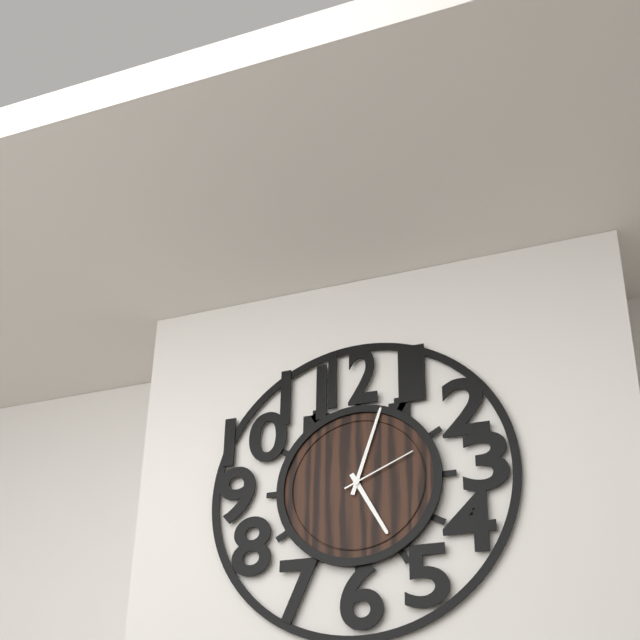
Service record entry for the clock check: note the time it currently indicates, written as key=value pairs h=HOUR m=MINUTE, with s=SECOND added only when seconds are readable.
h=5 m=3 s=11
